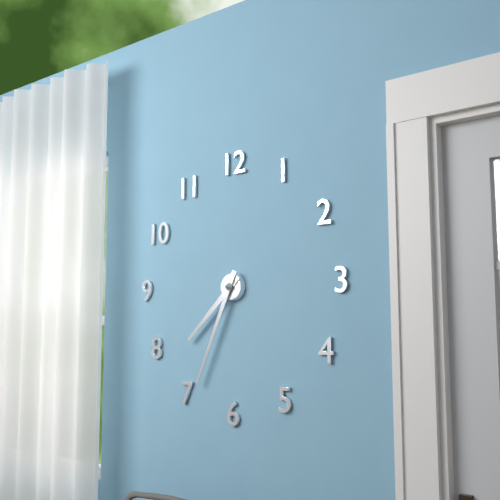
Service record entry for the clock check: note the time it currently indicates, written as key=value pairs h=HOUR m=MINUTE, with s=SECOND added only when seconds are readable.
h=7 m=34
